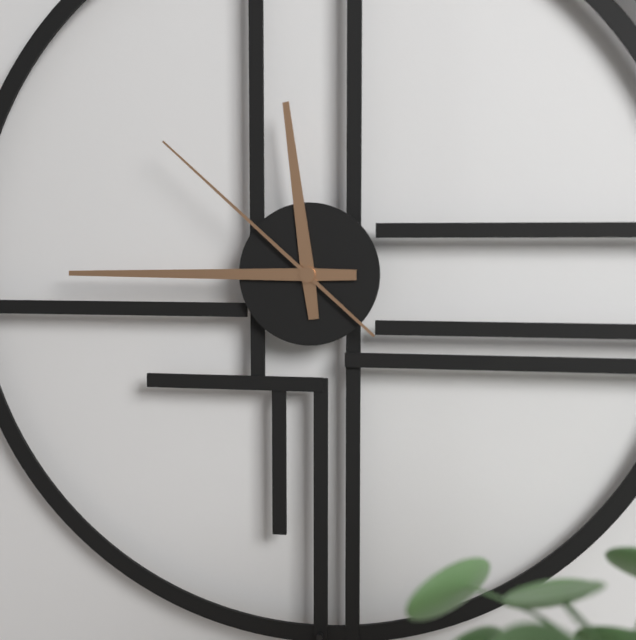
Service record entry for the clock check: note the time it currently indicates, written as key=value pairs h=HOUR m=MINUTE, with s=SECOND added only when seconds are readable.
h=11 m=45 s=52
